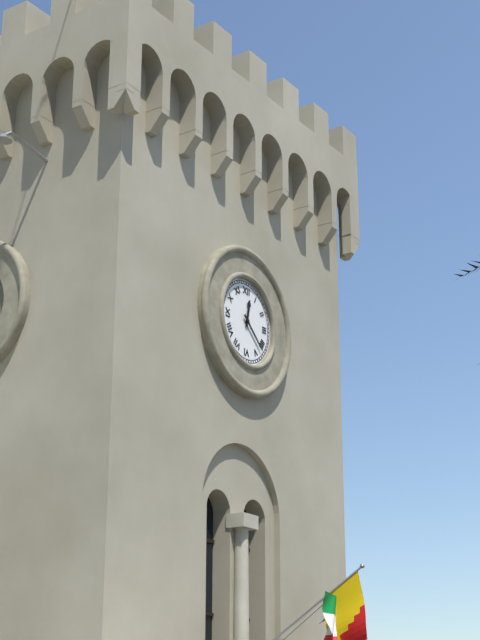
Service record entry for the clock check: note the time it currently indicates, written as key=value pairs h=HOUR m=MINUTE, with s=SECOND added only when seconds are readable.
h=12 m=22
